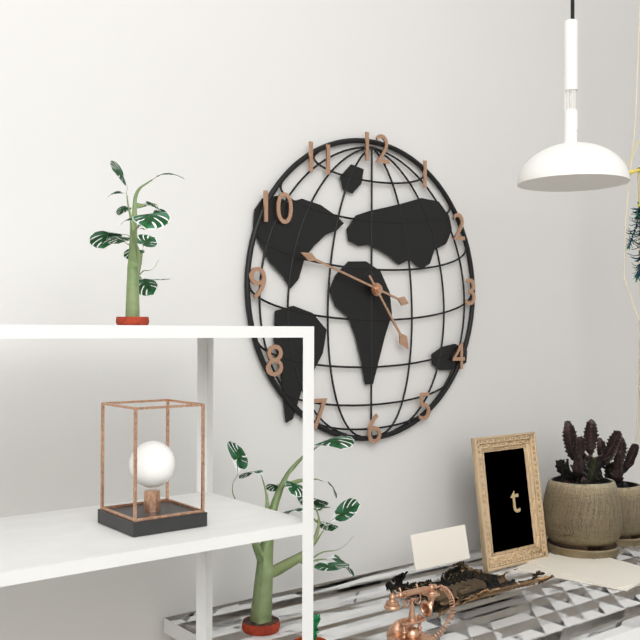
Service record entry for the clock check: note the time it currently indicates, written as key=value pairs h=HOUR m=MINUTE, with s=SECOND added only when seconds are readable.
h=4 m=48
